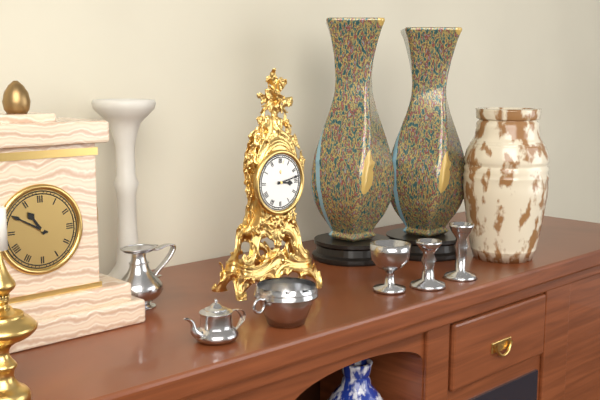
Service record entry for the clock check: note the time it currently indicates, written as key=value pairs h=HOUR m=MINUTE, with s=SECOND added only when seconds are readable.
h=3 m=13
